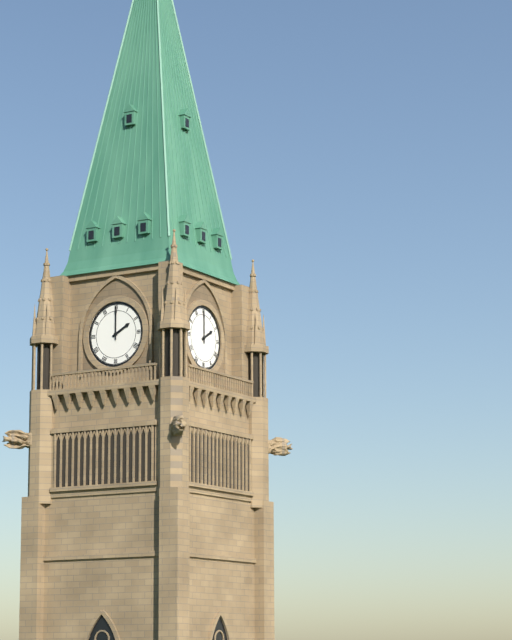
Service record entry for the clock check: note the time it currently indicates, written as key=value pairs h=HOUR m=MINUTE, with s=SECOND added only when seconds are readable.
h=2 m=0
